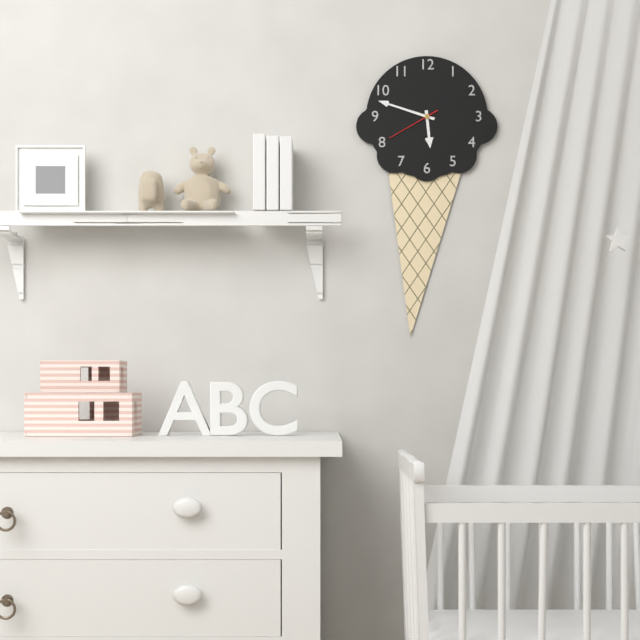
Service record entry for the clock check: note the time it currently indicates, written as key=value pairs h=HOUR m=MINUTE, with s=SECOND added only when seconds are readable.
h=5 m=48 s=40
